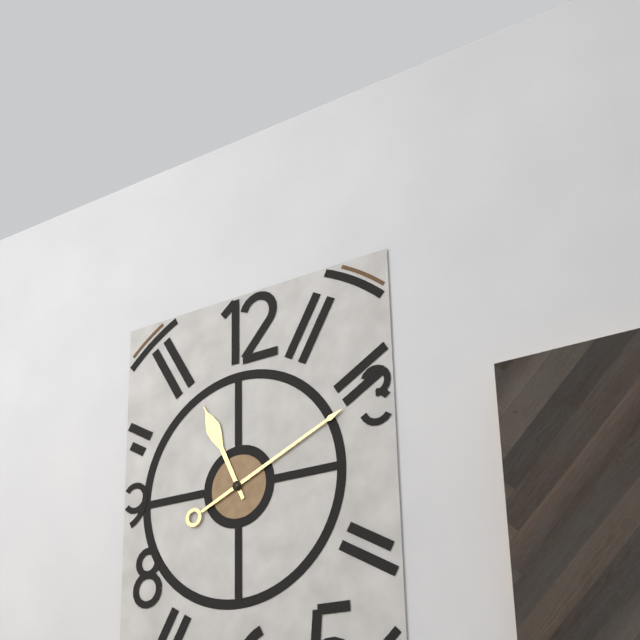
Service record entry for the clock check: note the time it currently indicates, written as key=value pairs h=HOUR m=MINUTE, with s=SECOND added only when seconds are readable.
h=11 m=11
